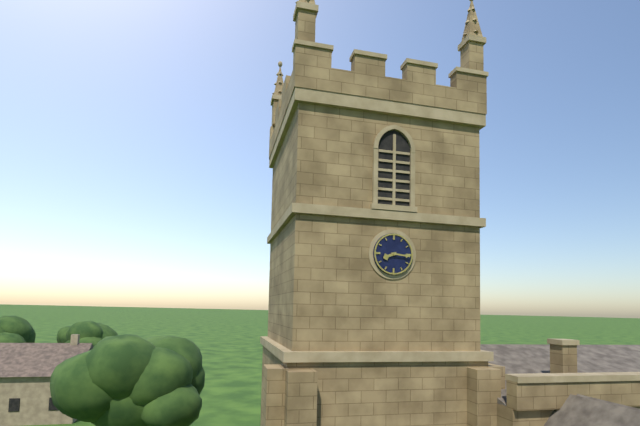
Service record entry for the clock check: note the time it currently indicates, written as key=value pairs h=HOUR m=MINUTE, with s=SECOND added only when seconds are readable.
h=8 m=16
